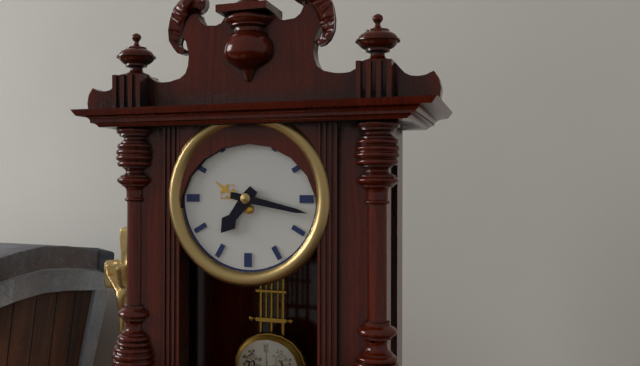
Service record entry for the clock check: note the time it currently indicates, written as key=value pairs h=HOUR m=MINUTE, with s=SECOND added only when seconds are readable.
h=7 m=17
